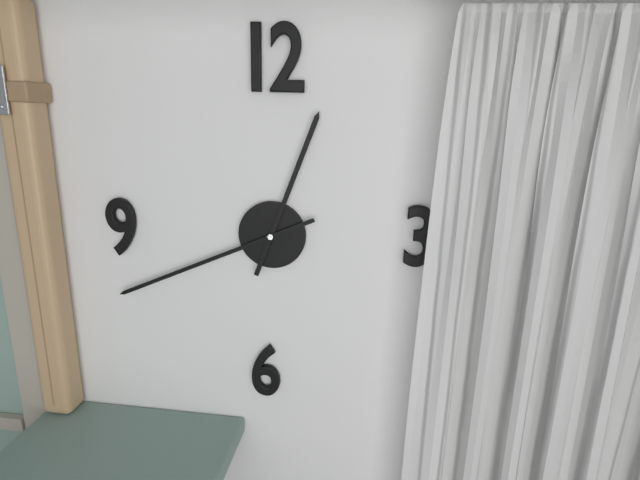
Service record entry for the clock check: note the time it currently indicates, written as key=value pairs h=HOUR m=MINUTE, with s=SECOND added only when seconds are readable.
h=12 m=41
